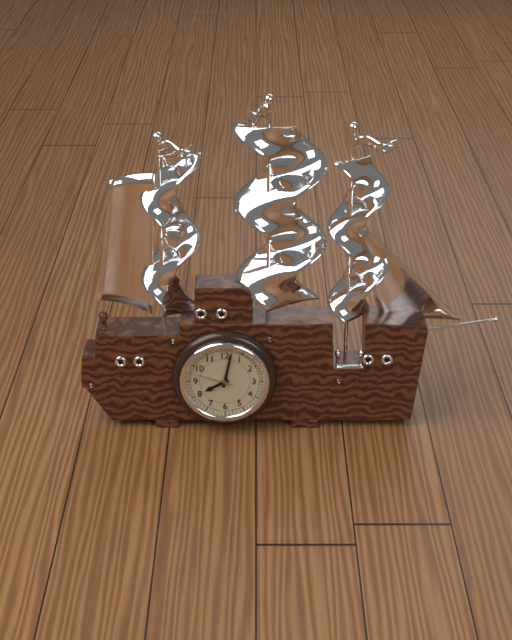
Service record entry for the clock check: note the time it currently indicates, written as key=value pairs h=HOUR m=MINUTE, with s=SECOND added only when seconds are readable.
h=8 m=2
